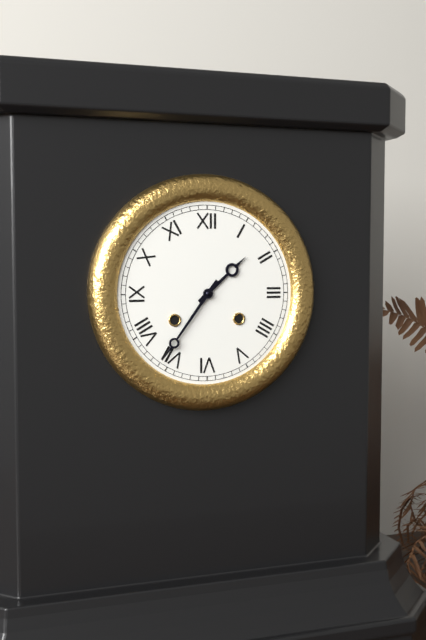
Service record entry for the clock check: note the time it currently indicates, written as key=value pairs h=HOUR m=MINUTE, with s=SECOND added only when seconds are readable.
h=1 m=36
